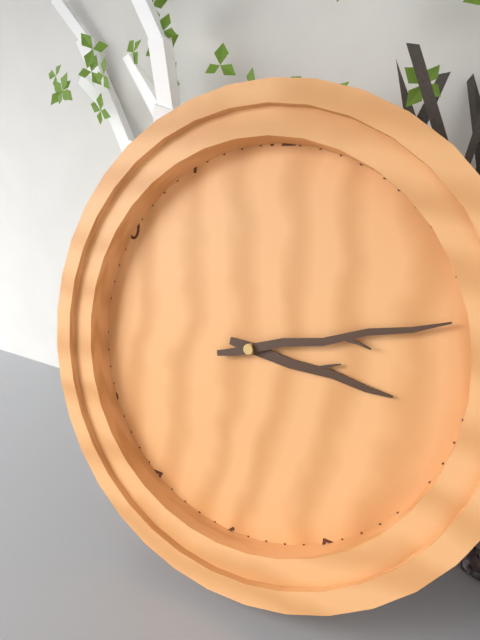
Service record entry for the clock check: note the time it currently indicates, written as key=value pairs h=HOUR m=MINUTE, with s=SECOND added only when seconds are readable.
h=3 m=12
